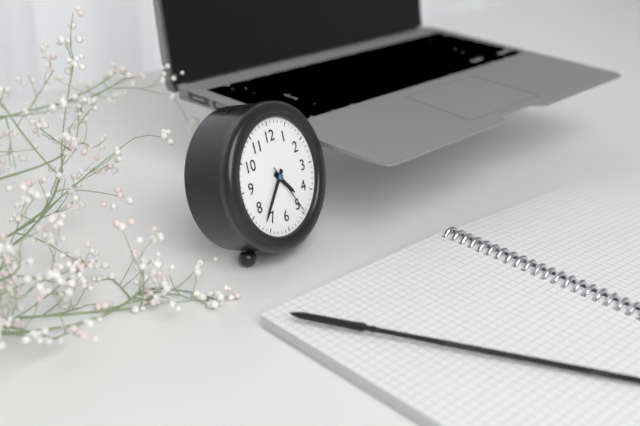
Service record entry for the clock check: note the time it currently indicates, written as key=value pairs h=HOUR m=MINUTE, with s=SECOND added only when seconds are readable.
h=4 m=37 s=25
